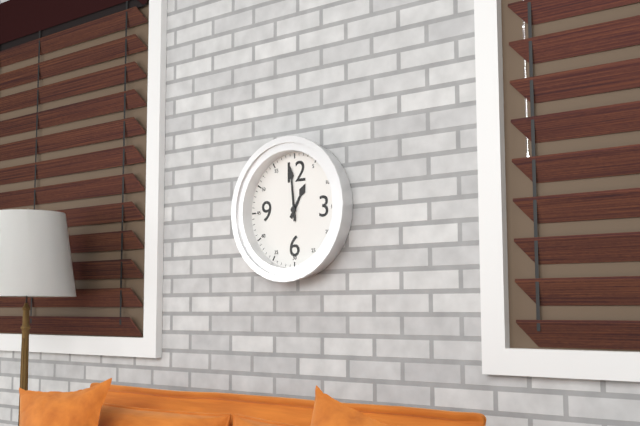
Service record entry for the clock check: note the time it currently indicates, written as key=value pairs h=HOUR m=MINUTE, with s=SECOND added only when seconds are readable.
h=12 m=59
